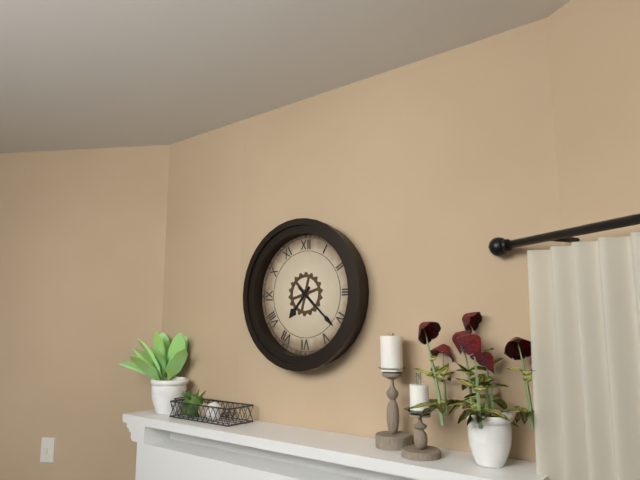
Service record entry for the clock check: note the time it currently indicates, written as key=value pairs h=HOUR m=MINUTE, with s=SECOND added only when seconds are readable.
h=7 m=22
